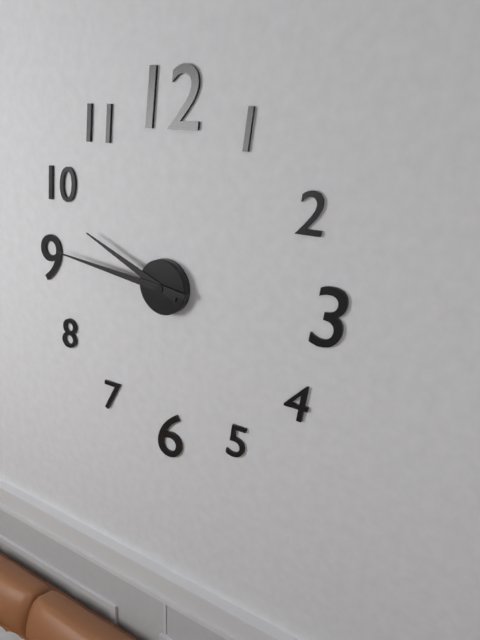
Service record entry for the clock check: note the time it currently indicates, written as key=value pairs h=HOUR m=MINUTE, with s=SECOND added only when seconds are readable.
h=9 m=46
